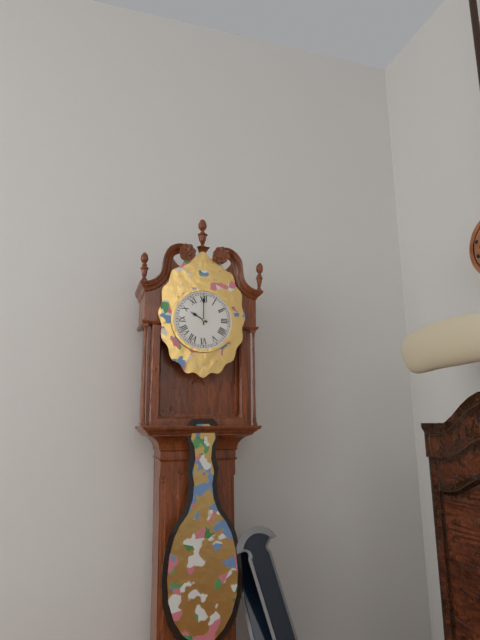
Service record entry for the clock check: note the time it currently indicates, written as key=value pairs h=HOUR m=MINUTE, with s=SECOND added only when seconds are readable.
h=10 m=0
